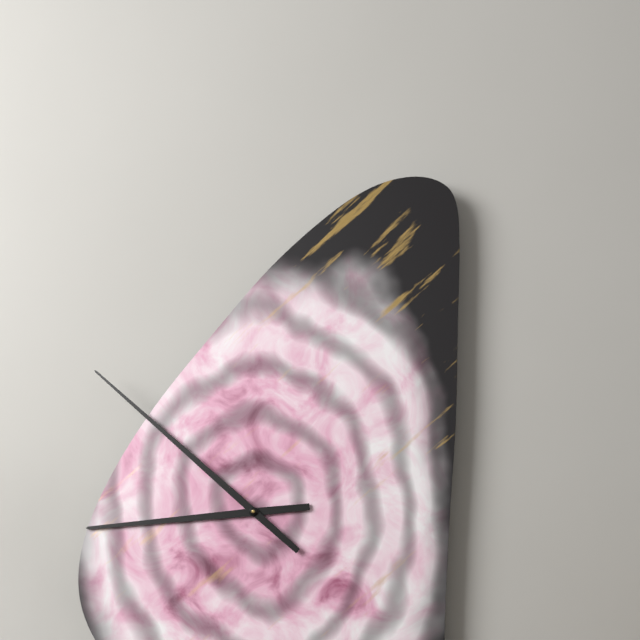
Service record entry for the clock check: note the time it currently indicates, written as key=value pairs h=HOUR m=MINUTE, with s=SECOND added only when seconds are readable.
h=8 m=52
